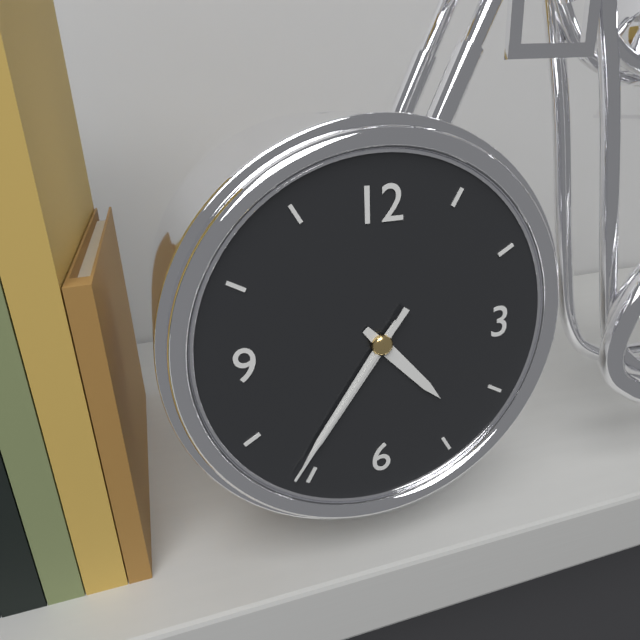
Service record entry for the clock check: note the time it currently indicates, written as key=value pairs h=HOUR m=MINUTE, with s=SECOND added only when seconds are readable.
h=4 m=36 s=36
